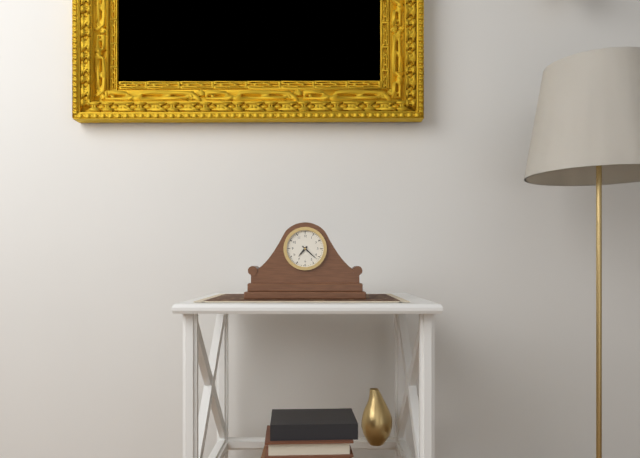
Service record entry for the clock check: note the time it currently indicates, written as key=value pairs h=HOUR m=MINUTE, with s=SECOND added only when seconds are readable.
h=7 m=22
